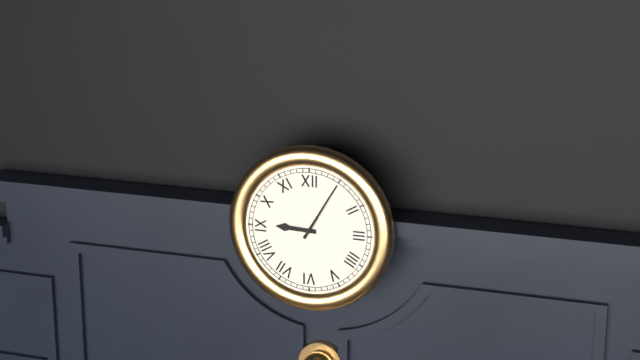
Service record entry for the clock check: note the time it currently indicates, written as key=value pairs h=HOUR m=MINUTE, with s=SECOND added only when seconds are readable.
h=9 m=5
